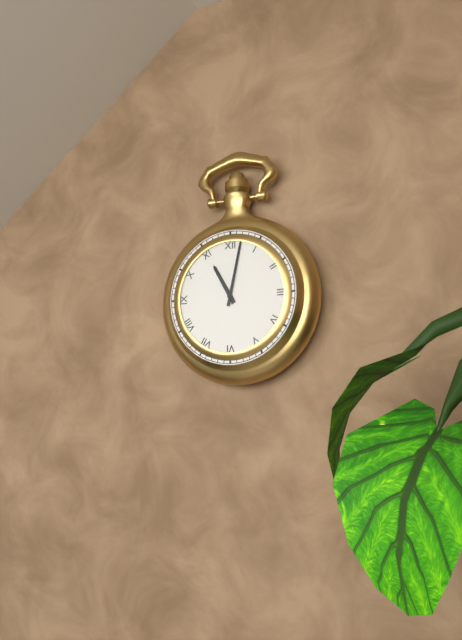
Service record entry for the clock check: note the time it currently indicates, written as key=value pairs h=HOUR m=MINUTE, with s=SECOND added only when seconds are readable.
h=11 m=2
